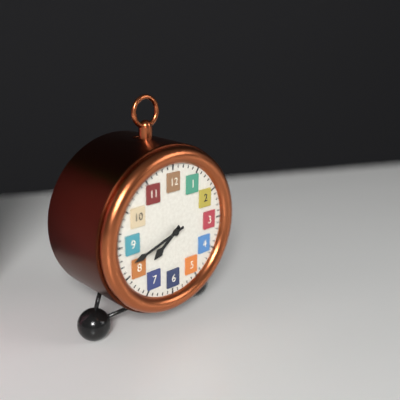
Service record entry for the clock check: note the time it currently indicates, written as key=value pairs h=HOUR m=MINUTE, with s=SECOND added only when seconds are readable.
h=7 m=42
